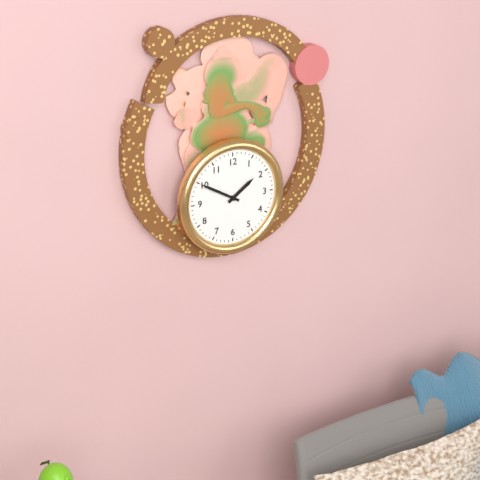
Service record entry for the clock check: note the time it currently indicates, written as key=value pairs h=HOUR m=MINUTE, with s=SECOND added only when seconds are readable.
h=1 m=50
